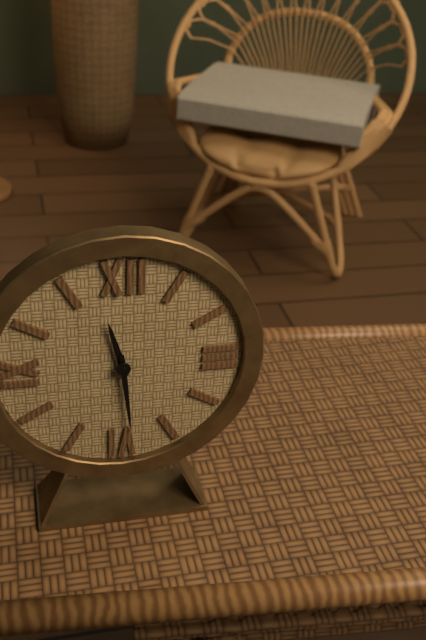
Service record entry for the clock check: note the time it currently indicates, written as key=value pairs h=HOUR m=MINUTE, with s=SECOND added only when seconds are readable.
h=11 m=29
